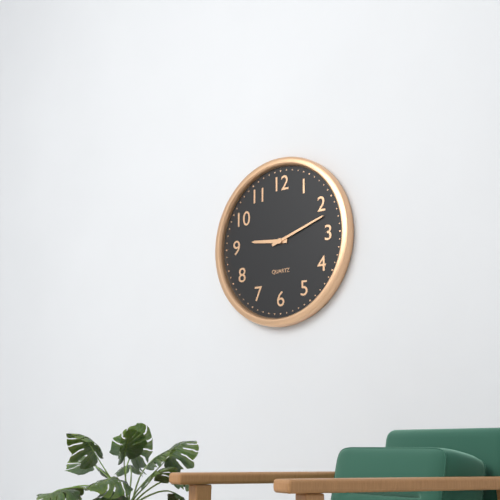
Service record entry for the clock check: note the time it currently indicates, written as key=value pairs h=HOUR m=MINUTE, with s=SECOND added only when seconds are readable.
h=9 m=12
